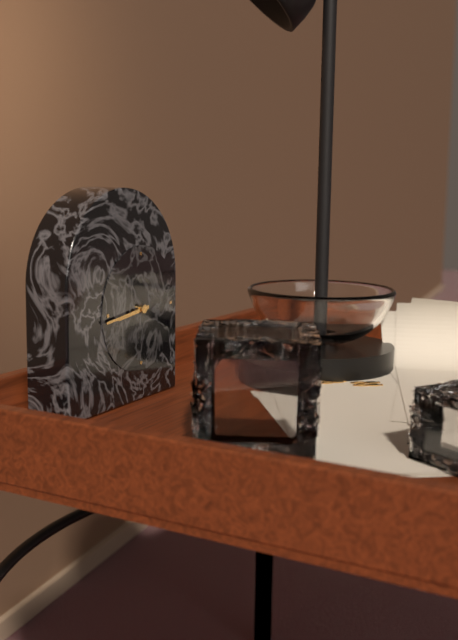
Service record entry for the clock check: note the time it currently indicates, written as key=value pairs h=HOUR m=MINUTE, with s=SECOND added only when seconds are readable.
h=8 m=44
